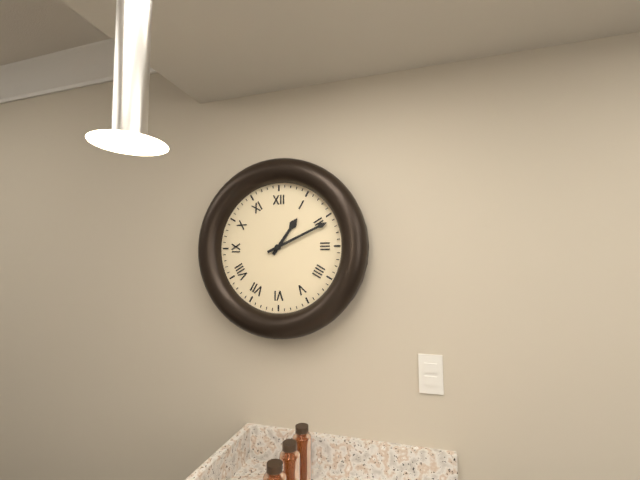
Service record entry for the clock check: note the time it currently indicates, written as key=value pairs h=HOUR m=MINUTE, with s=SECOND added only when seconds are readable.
h=1 m=11
